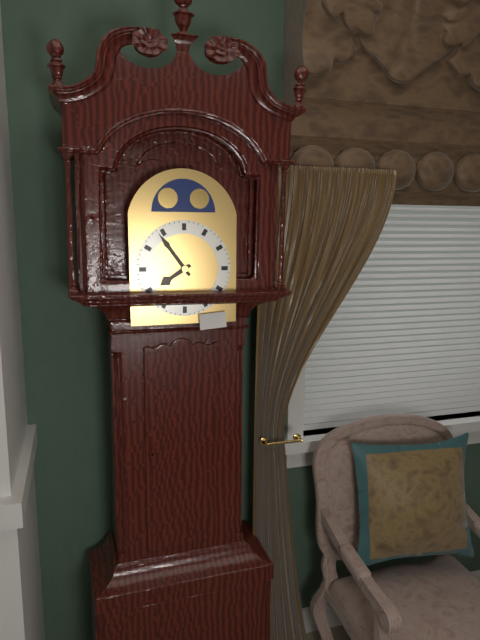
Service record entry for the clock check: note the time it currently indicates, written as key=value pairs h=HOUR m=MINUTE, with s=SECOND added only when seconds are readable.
h=7 m=54
